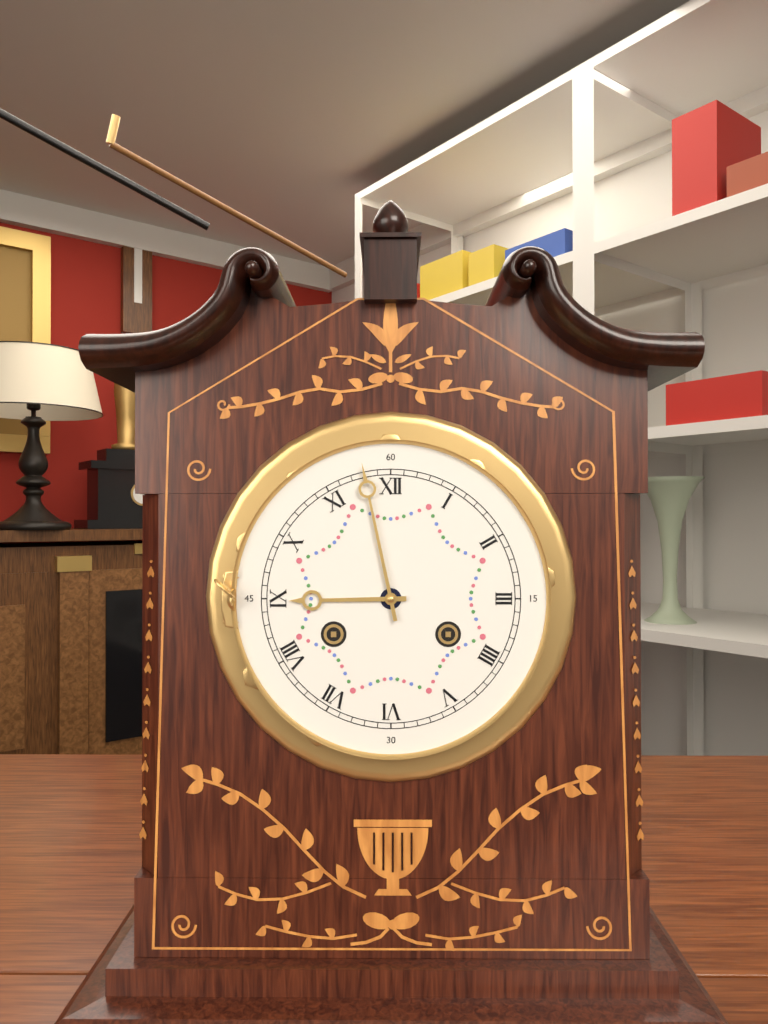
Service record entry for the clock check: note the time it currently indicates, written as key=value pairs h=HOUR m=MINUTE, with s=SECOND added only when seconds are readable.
h=8 m=58
